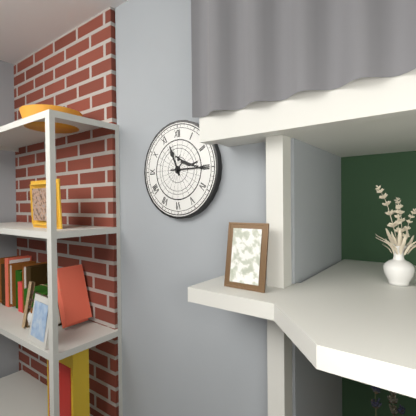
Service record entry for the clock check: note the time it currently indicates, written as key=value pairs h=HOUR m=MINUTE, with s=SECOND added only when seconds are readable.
h=11 m=15
